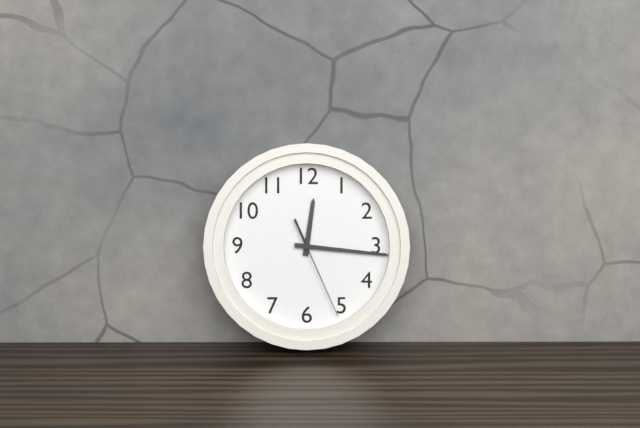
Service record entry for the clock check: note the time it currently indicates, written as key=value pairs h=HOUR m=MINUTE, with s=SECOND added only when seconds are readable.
h=12 m=16 s=26
